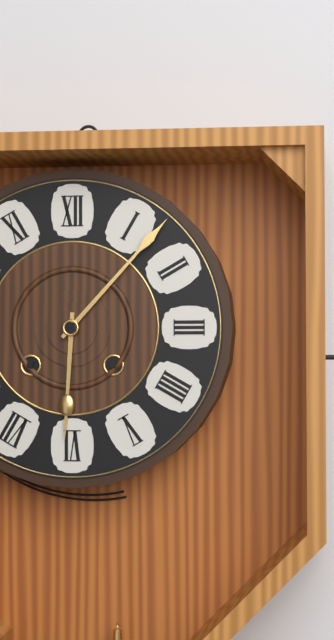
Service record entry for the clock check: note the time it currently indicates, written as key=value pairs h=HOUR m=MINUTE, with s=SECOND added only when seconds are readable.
h=6 m=7
